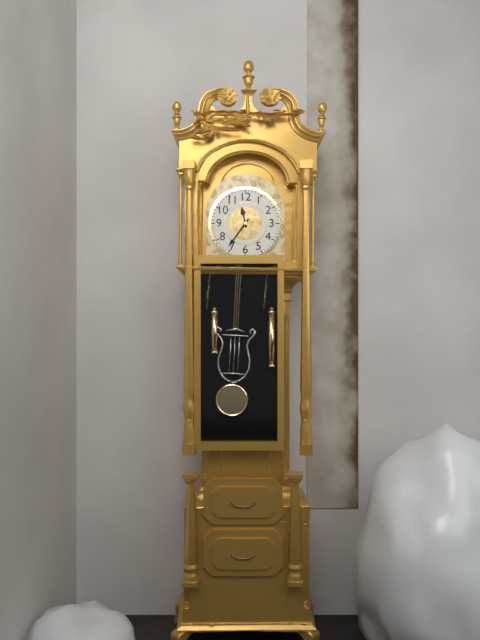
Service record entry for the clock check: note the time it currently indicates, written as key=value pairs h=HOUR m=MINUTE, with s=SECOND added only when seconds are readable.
h=11 m=36
